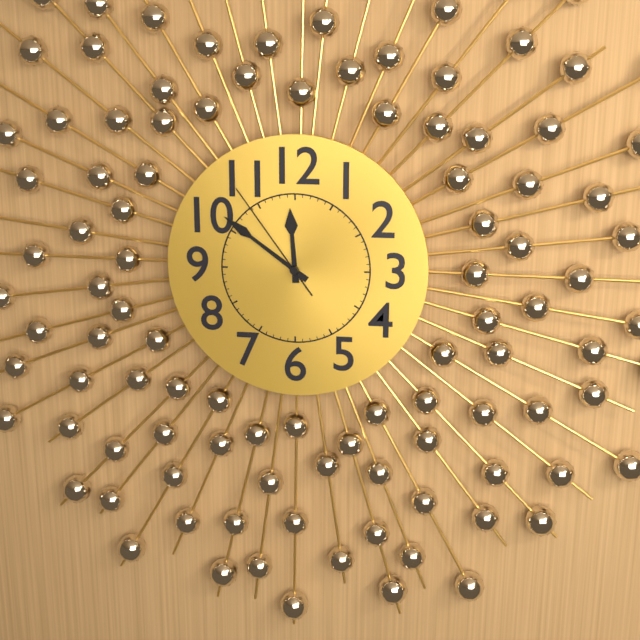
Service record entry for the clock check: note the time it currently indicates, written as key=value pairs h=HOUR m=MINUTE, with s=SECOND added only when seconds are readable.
h=11 m=51 s=54
